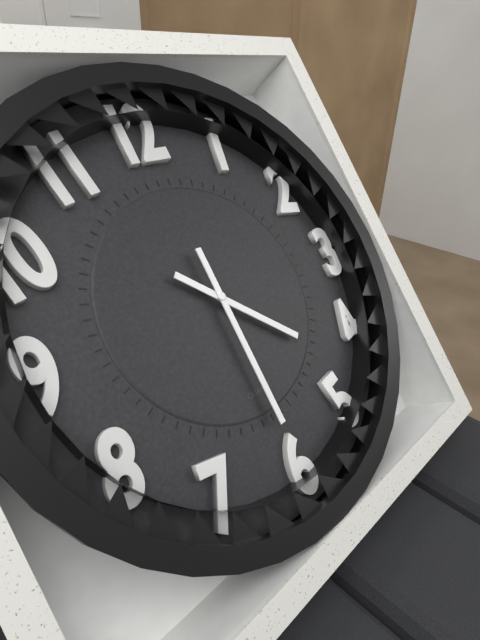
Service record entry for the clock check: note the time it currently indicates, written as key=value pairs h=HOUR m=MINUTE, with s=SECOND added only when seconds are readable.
h=4 m=30
